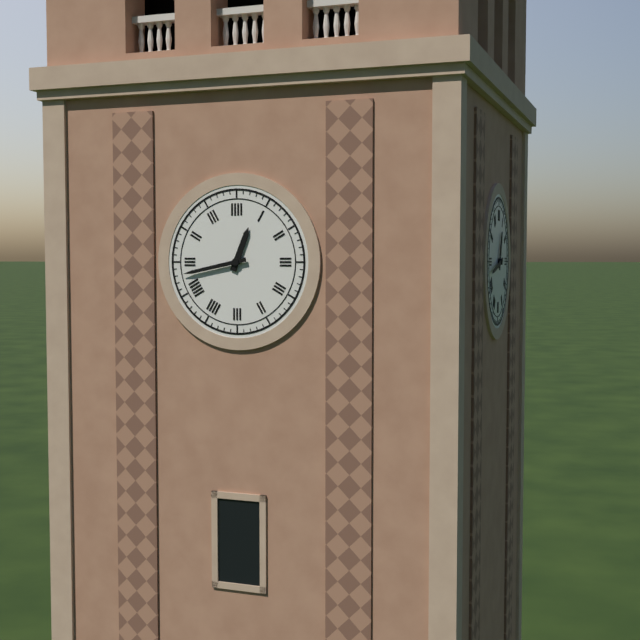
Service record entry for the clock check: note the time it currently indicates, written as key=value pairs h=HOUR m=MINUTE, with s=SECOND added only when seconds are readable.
h=12 m=43
